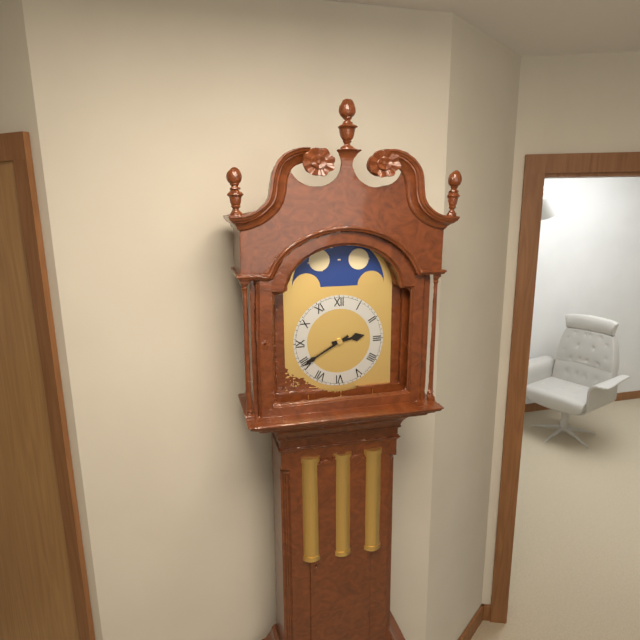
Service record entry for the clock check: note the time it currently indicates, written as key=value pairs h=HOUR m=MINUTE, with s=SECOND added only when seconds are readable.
h=2 m=40
